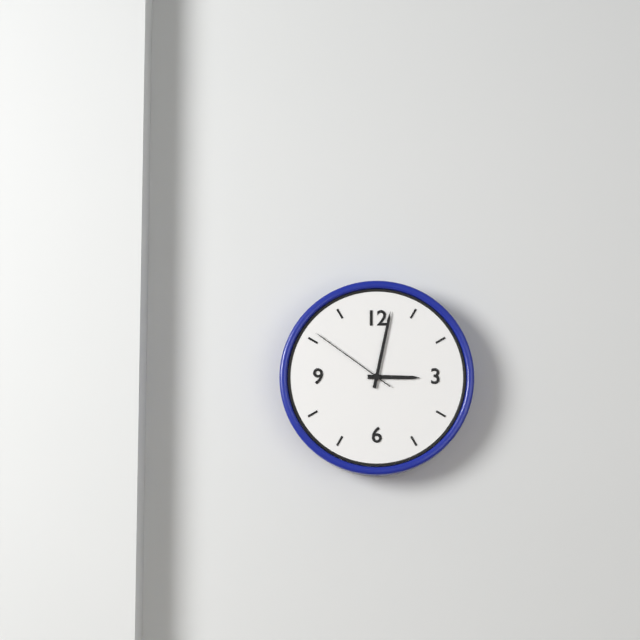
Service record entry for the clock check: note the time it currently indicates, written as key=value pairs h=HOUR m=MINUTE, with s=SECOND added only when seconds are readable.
h=3 m=2 s=51
